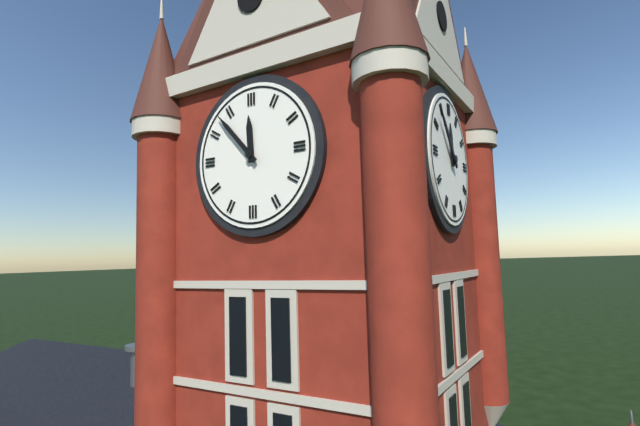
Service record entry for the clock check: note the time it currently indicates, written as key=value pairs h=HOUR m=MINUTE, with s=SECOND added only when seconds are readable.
h=11 m=53
